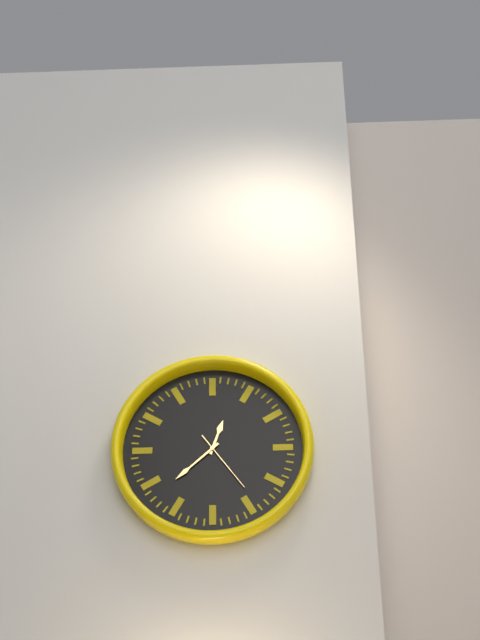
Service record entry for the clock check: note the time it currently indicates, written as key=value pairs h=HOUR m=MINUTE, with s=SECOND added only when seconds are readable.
h=12 m=38 s=24
